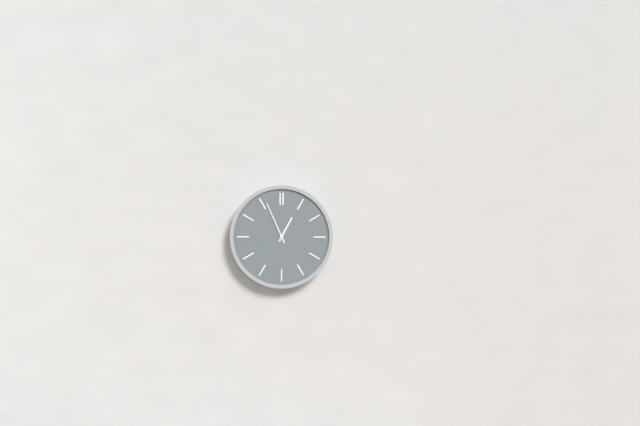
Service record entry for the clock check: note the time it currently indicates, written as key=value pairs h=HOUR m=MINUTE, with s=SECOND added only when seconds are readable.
h=12 m=56
